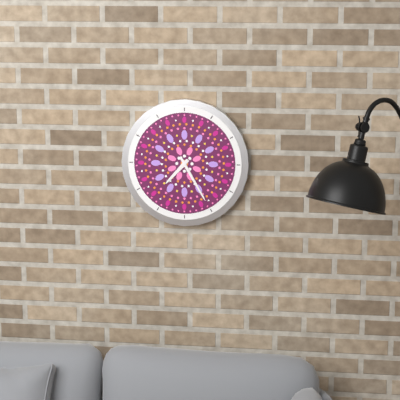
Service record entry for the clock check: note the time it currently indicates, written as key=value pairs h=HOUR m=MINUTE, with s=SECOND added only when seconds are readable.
h=7 m=25
